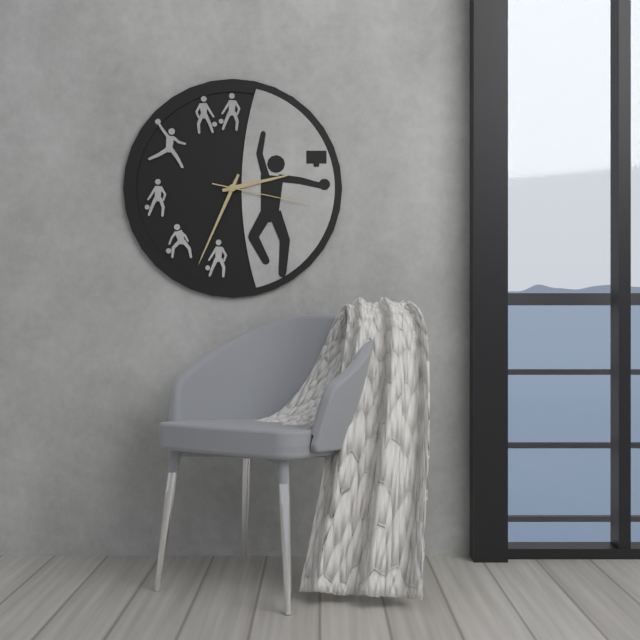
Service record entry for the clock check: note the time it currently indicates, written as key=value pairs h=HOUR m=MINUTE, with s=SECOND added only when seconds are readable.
h=2 m=34 s=17
